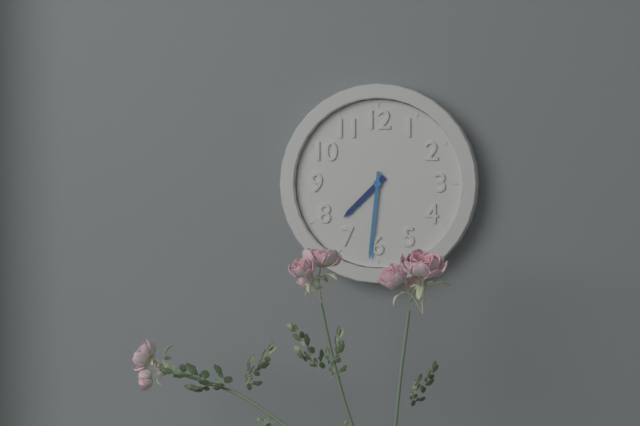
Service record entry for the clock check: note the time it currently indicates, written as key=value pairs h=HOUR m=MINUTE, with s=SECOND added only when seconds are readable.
h=7 m=31
